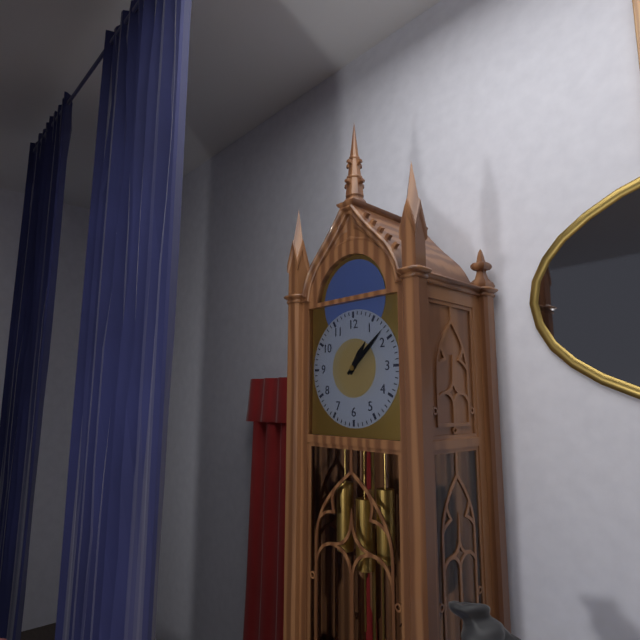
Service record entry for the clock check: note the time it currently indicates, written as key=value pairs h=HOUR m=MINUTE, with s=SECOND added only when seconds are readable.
h=1 m=8
